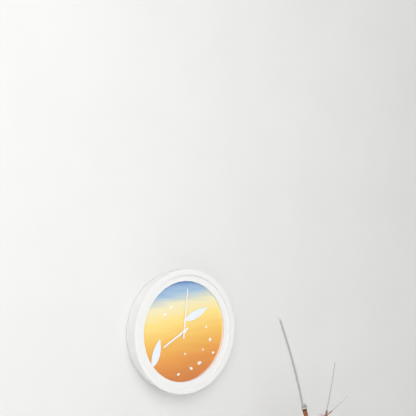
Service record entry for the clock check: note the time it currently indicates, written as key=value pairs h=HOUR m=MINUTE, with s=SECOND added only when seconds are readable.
h=8 m=1
